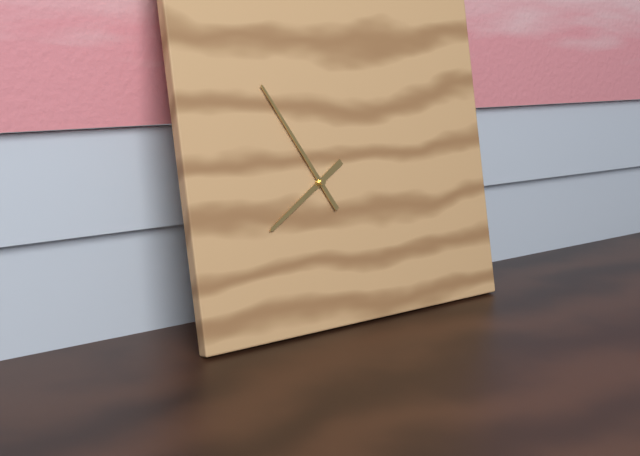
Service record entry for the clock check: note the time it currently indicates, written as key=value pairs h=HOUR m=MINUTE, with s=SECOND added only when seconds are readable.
h=7 m=55
